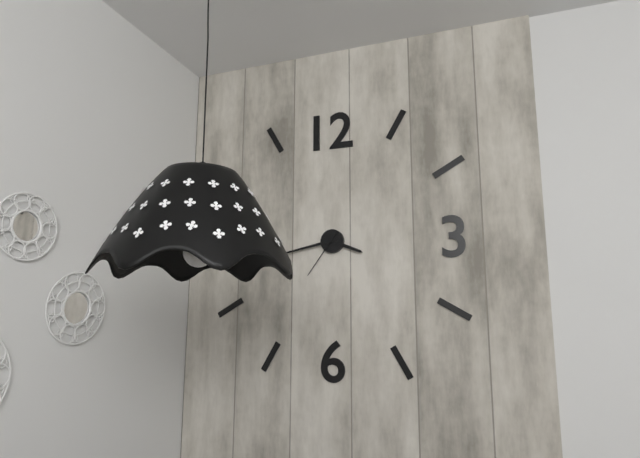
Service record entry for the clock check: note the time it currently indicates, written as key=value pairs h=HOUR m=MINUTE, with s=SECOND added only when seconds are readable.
h=3 m=43 s=36
